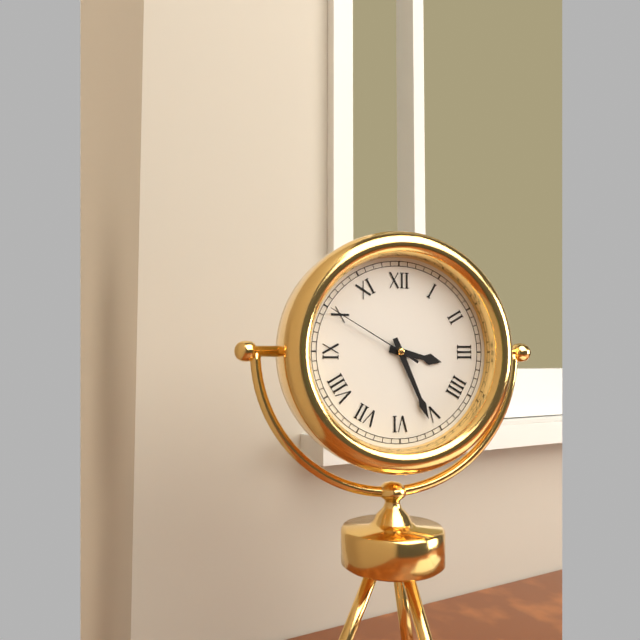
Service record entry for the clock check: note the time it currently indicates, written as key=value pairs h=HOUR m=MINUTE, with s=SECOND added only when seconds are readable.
h=3 m=26 s=50
